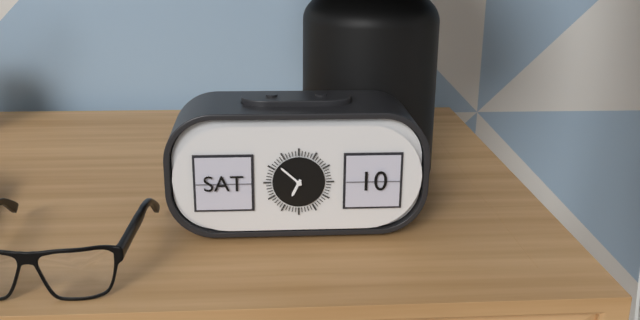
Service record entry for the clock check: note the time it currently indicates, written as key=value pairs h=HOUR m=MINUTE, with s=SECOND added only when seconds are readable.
h=6 m=52
